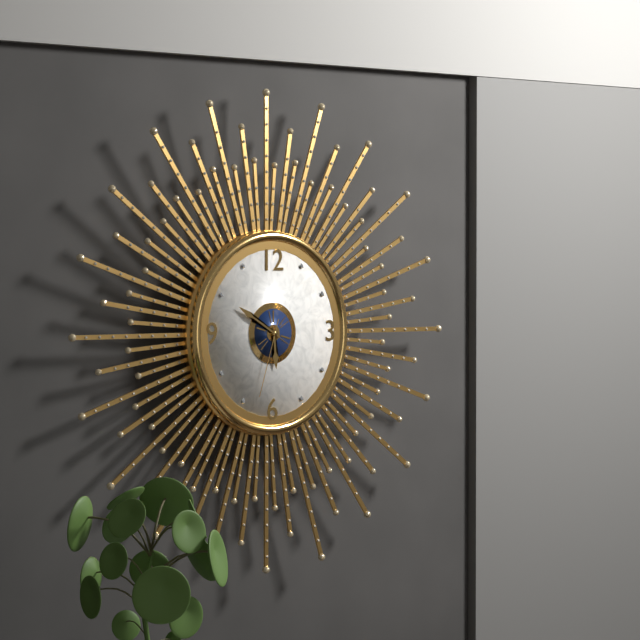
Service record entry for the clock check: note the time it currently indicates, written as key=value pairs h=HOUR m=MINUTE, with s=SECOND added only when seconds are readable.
h=5 m=50 s=33
